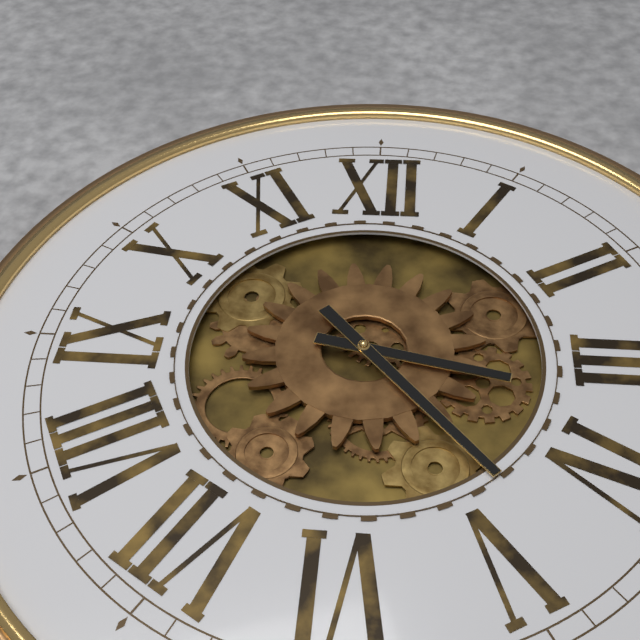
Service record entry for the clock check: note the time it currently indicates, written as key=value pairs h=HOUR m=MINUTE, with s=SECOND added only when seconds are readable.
h=3 m=23
